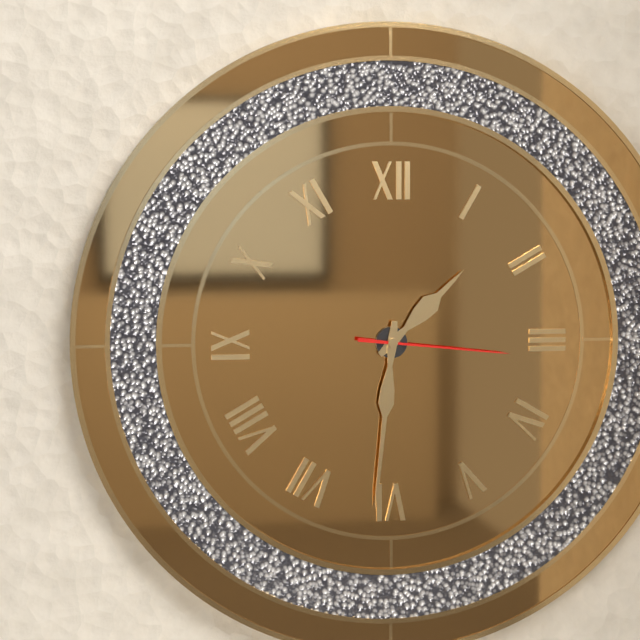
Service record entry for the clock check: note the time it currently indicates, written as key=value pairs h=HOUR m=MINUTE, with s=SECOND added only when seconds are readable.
h=1 m=31 s=16
